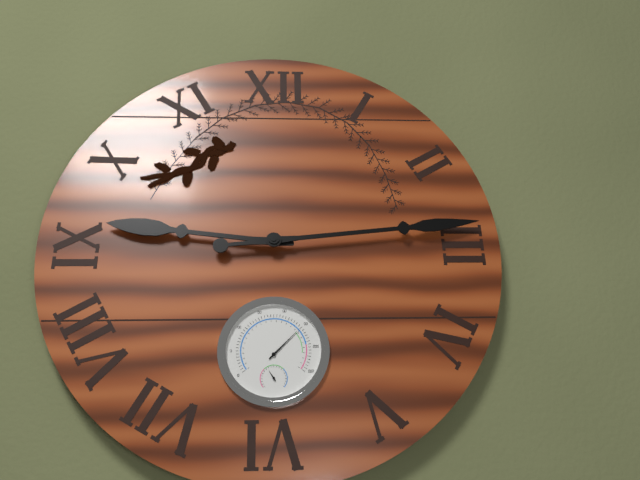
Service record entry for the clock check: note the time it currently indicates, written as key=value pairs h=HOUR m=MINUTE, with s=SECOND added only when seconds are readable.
h=9 m=14
